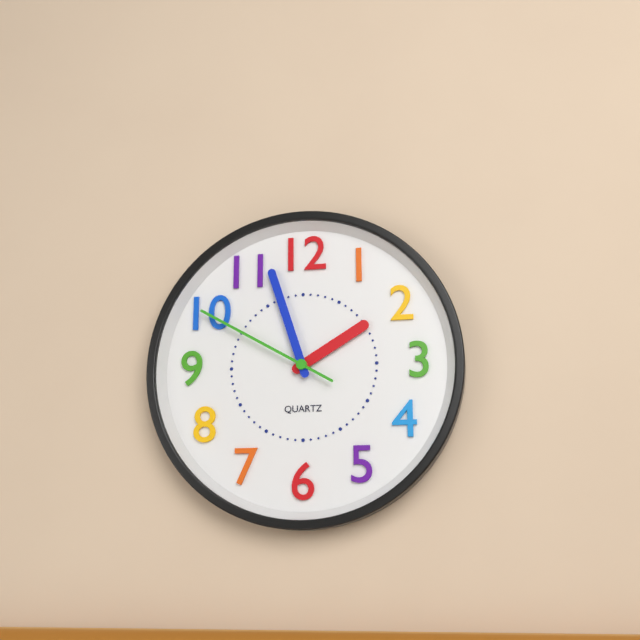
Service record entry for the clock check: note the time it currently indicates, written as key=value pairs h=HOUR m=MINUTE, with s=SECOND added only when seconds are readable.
h=1 m=57 s=50
